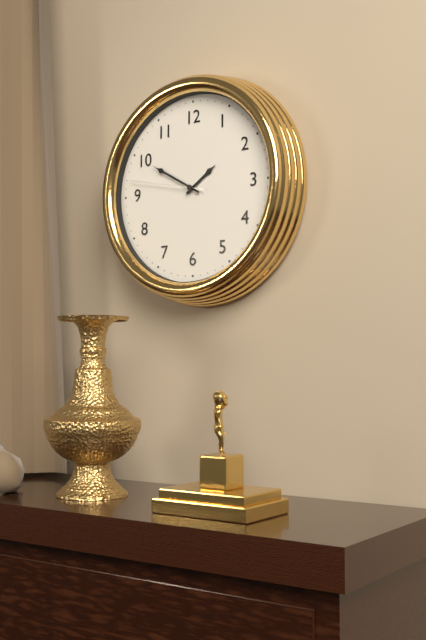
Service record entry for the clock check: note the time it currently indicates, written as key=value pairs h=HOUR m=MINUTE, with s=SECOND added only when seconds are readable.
h=1 m=50 s=47
